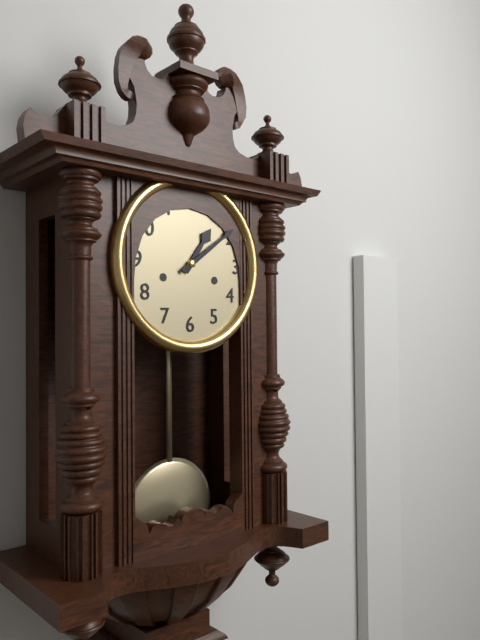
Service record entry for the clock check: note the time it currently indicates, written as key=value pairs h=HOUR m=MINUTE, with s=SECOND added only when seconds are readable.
h=1 m=9
